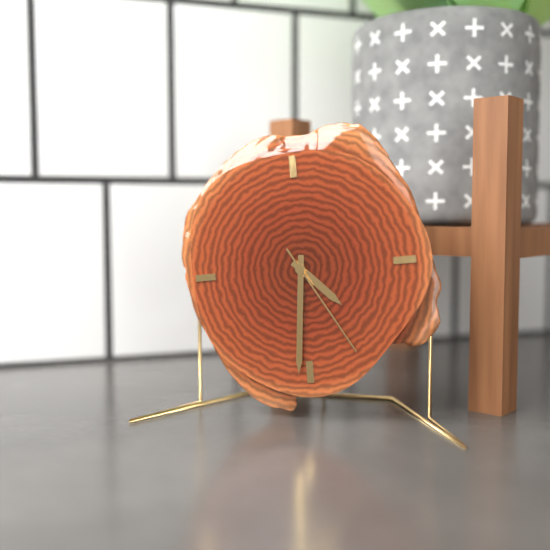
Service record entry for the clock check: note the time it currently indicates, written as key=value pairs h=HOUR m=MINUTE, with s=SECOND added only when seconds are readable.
h=4 m=31 s=25
